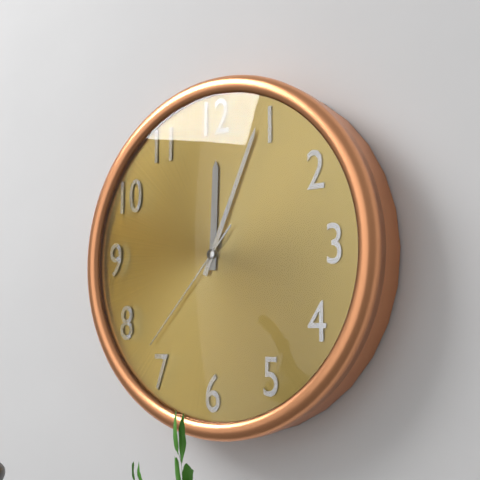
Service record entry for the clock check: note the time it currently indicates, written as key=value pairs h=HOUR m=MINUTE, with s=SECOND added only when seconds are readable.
h=12 m=4 s=37
